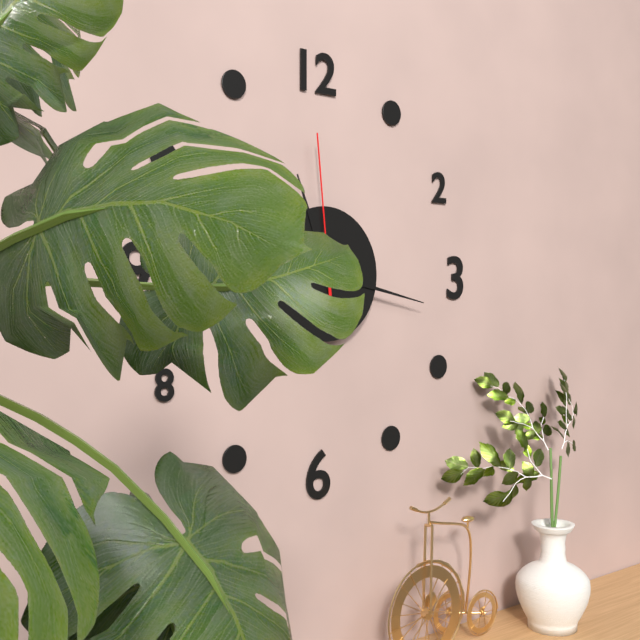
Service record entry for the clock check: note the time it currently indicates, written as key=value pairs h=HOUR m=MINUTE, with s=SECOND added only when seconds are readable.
h=11 m=17 s=59
